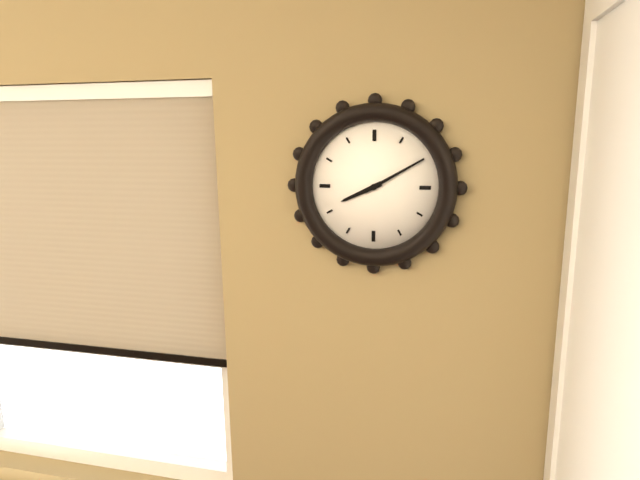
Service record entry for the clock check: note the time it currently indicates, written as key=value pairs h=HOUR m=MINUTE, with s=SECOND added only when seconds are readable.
h=8 m=10
